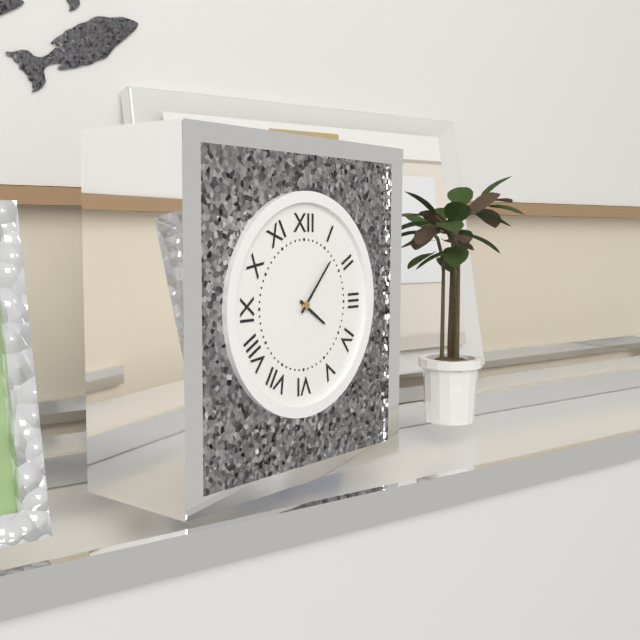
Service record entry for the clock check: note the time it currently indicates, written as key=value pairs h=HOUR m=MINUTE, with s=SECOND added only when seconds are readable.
h=4 m=7
